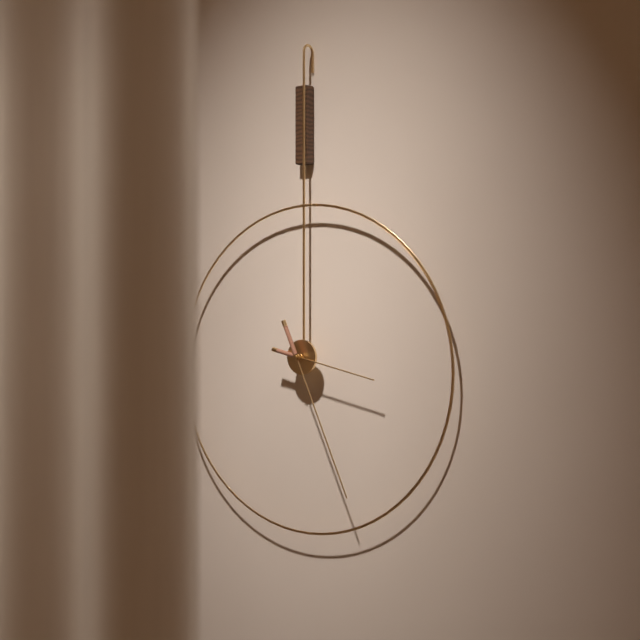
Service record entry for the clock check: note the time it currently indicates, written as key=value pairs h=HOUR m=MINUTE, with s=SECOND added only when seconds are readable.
h=3 m=26
